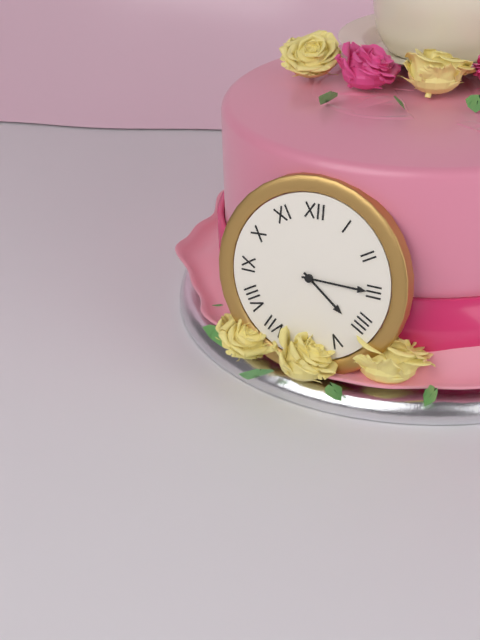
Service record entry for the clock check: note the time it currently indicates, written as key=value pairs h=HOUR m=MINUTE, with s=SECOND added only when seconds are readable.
h=4 m=15
